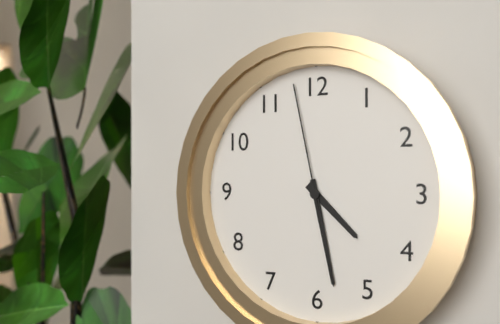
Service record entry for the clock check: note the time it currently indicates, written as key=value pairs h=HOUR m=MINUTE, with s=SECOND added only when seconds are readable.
h=4 m=28 s=58
